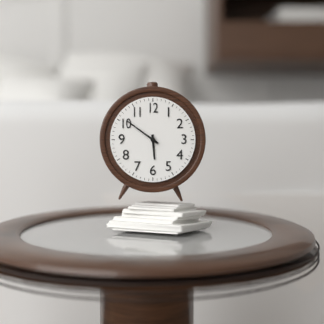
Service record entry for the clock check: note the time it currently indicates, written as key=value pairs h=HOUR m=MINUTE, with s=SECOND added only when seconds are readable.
h=5 m=51
